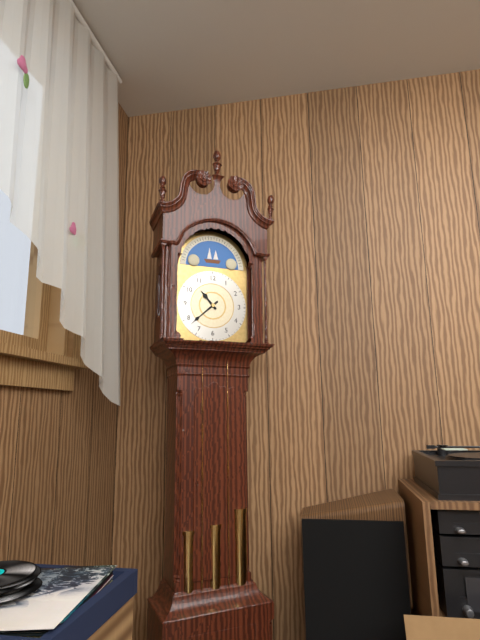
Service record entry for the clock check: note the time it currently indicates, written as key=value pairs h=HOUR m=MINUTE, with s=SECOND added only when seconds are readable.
h=10 m=38
